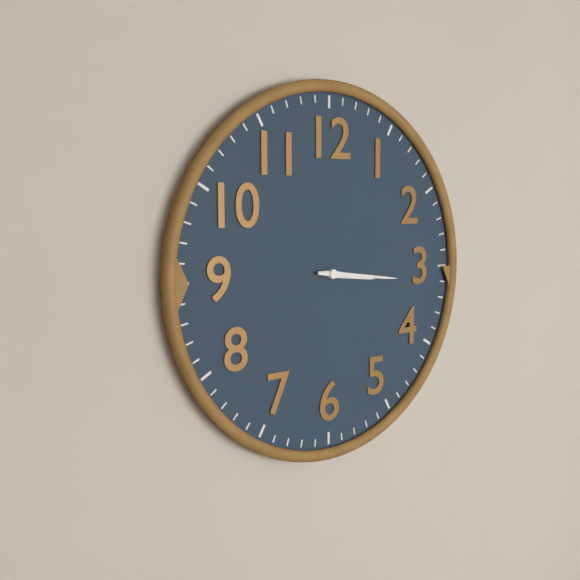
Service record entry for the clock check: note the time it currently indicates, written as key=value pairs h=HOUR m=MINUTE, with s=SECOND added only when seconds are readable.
h=3 m=16
